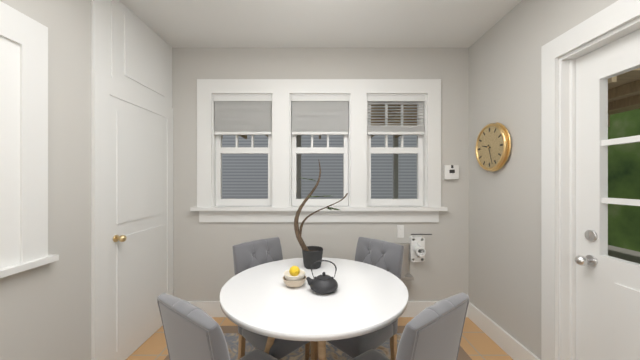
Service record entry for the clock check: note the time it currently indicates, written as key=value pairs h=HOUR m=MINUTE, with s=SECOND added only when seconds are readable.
h=9 m=27
